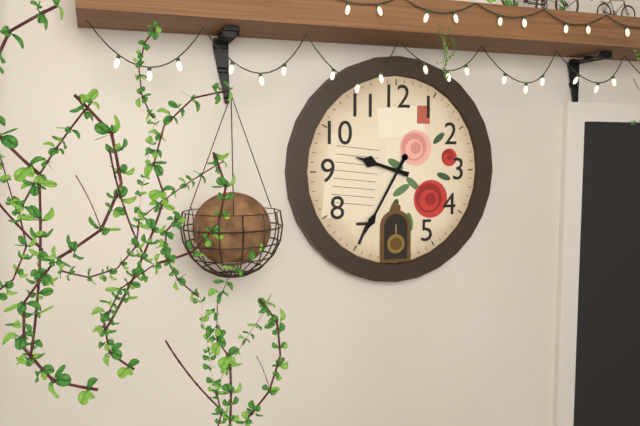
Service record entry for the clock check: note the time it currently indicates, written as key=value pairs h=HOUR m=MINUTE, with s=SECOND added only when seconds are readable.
h=9 m=35
